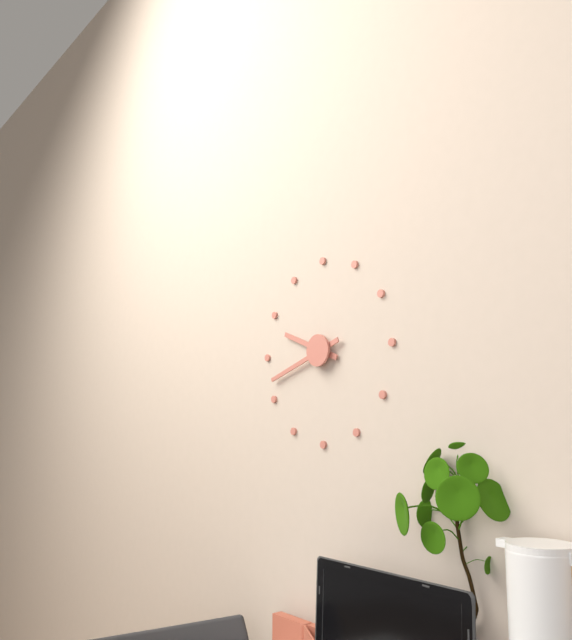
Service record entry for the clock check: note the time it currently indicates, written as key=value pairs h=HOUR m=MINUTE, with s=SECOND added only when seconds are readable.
h=9 m=42
